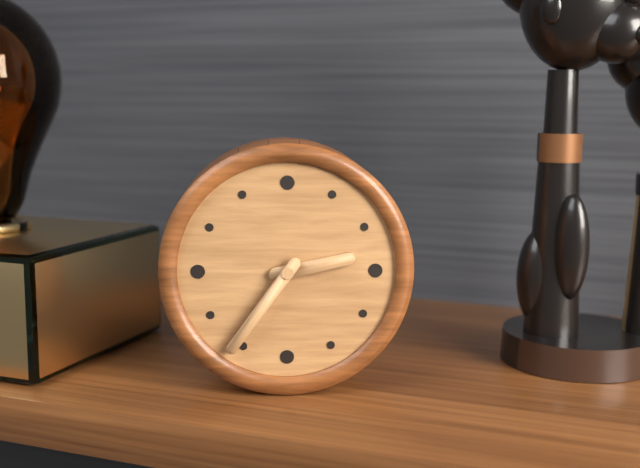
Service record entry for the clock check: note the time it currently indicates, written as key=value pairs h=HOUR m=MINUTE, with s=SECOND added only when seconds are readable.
h=2 m=36
